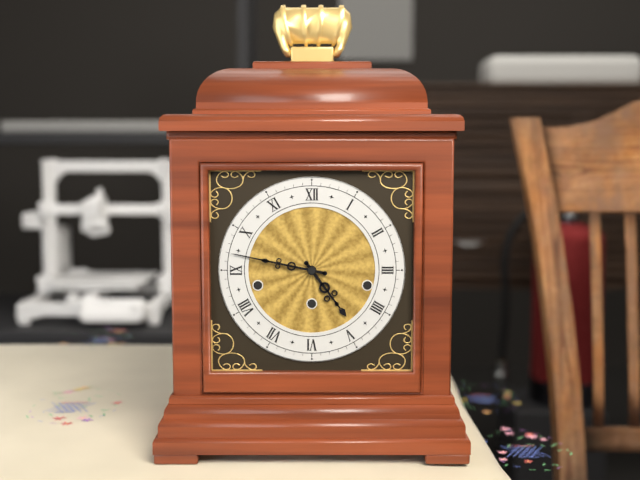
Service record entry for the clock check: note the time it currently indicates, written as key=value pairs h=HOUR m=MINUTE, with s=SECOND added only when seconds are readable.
h=4 m=47
